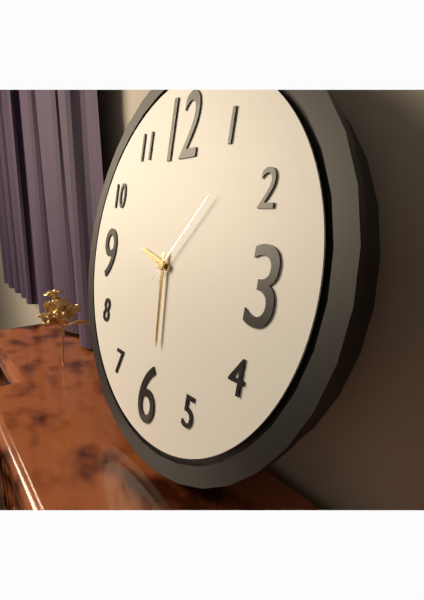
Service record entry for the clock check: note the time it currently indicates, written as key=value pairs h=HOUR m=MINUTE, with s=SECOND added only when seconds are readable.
h=9 m=29 s=7
